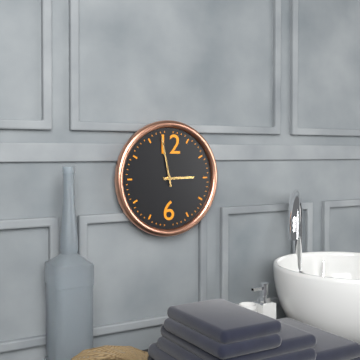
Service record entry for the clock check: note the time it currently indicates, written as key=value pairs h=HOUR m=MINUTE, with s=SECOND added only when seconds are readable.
h=2 m=58
